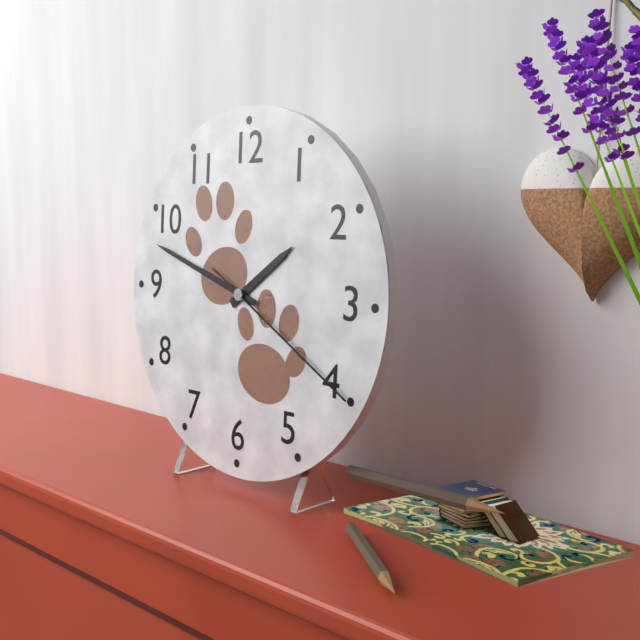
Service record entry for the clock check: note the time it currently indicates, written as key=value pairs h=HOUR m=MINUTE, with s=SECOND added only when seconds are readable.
h=1 m=48 s=20
